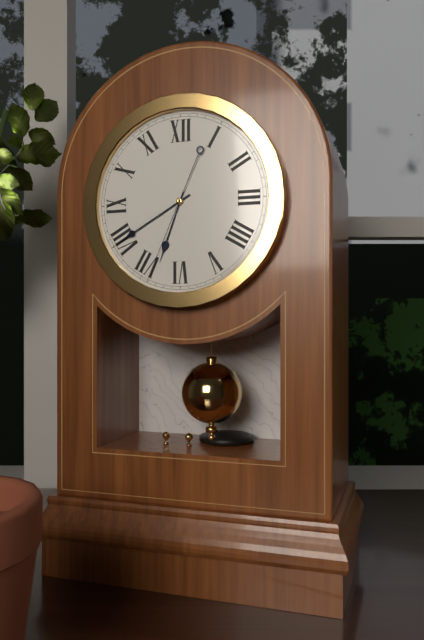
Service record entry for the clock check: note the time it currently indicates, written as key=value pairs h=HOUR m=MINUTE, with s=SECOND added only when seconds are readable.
h=6 m=40 s=34
